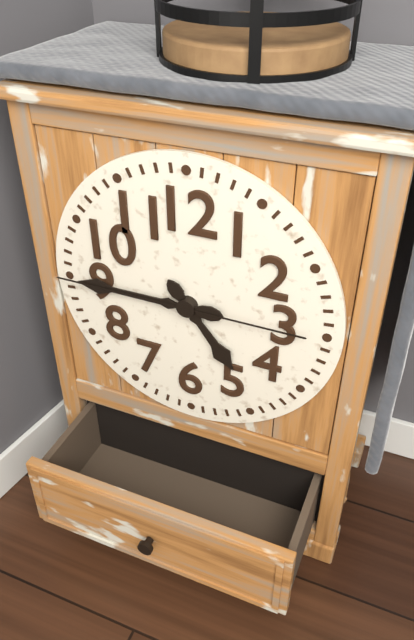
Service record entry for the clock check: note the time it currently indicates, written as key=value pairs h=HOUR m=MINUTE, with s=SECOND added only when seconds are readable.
h=4 m=45 s=45
